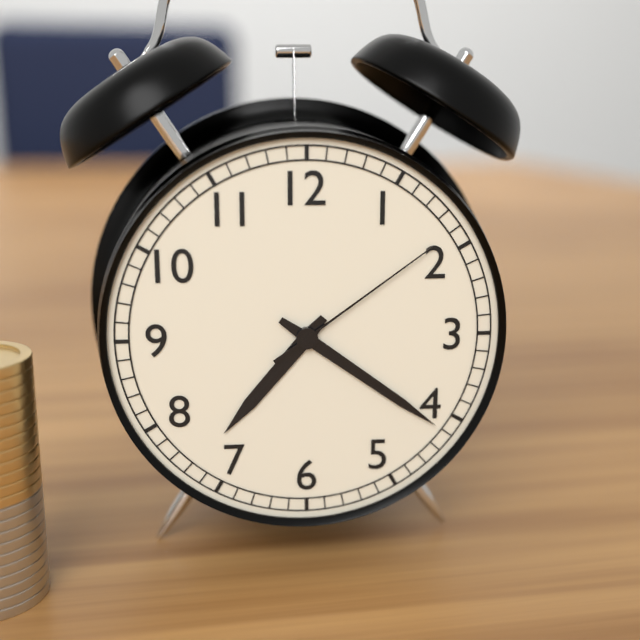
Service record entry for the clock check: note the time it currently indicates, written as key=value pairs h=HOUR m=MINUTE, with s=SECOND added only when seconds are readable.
h=7 m=21 s=9
